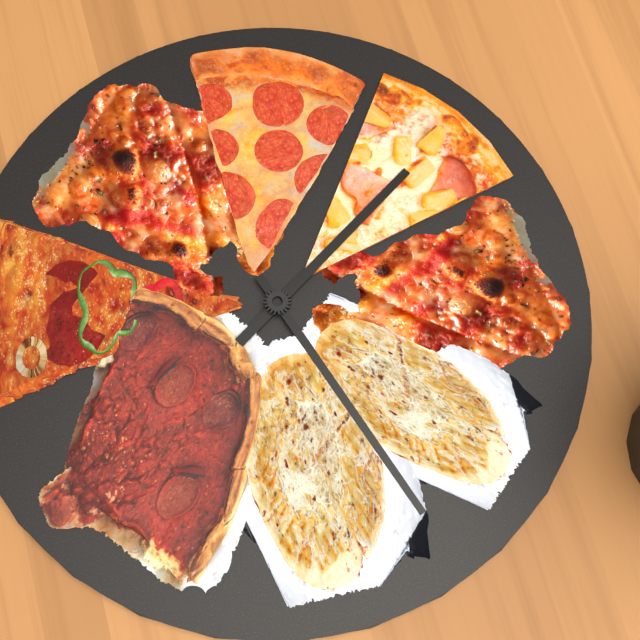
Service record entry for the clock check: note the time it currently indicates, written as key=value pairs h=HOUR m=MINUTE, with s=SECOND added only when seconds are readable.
h=7 m=57
